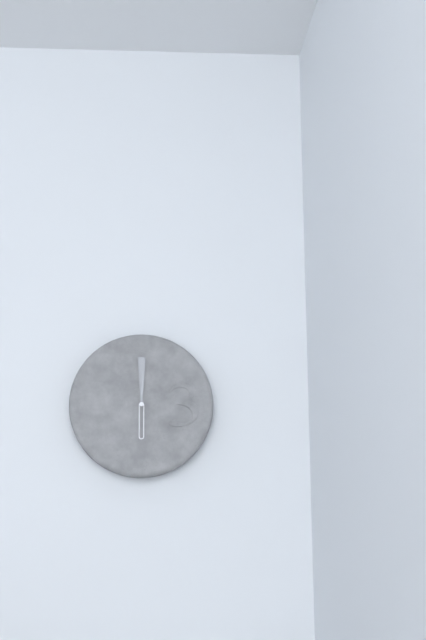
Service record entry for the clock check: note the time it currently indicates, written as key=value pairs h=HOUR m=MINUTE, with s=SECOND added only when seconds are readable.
h=6 m=0
